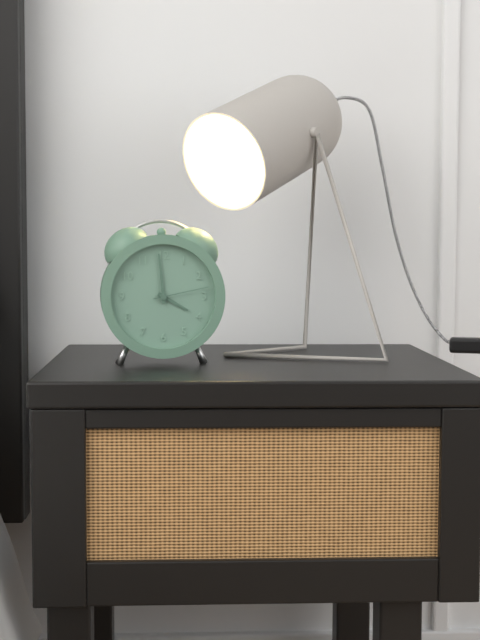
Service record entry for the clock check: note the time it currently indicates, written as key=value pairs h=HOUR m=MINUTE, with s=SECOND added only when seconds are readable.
h=3 m=59 s=13
